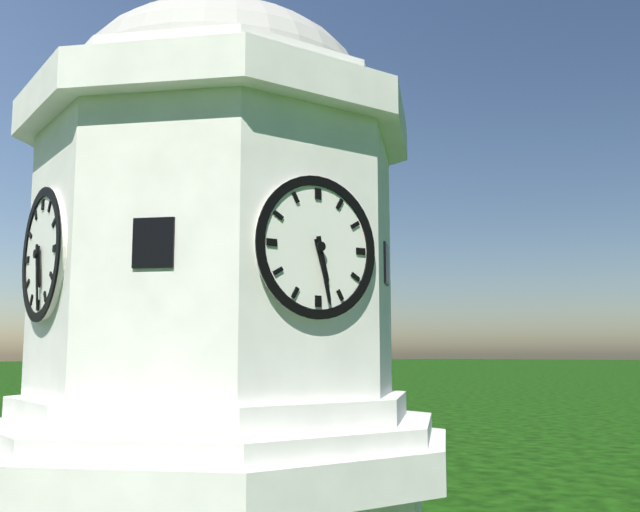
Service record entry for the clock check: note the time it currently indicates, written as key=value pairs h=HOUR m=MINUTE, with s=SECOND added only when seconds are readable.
h=5 m=28
